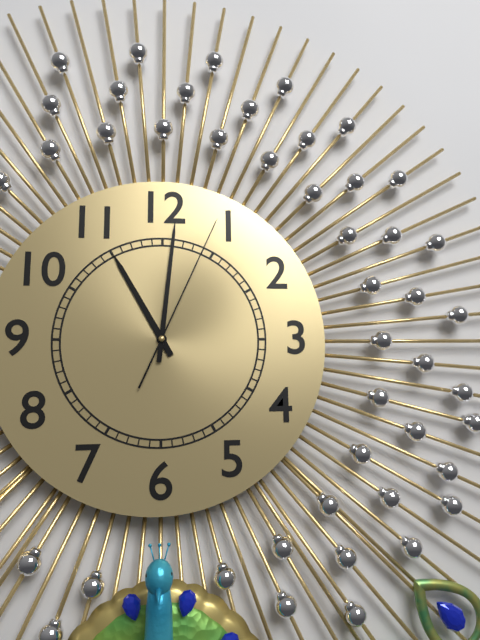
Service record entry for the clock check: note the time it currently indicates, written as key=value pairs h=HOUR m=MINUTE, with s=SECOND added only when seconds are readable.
h=11 m=1 s=4
